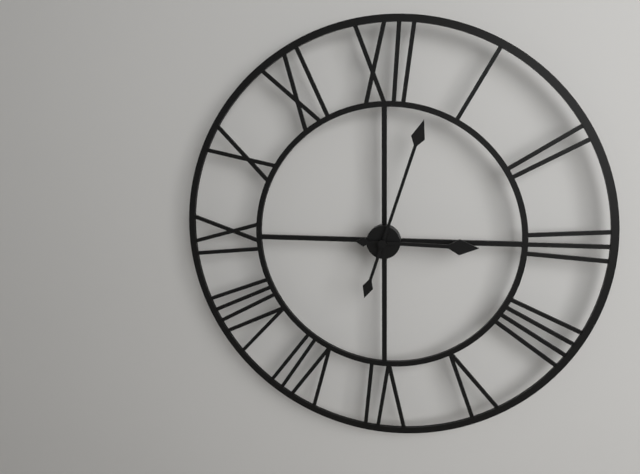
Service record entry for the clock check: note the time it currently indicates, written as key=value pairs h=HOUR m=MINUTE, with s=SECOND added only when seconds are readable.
h=3 m=3
